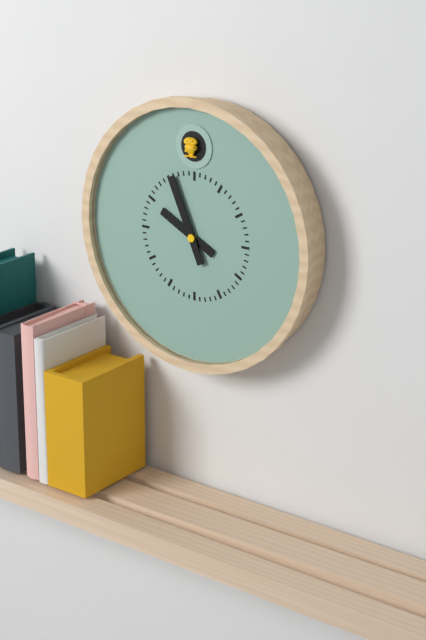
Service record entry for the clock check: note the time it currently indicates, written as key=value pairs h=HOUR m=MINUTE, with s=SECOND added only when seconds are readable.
h=9 m=56
